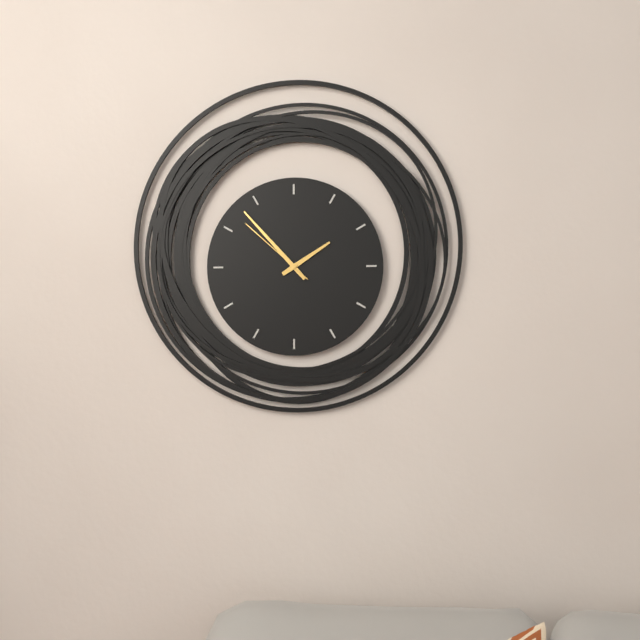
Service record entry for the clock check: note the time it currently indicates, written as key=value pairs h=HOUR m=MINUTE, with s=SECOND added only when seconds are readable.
h=1 m=53 s=52
